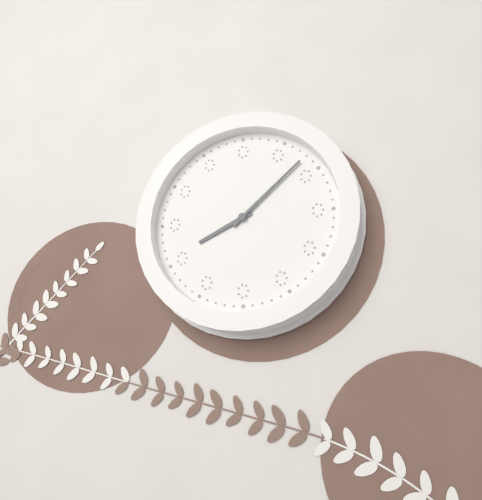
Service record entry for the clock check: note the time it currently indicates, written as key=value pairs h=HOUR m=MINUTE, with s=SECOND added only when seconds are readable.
h=8 m=8
